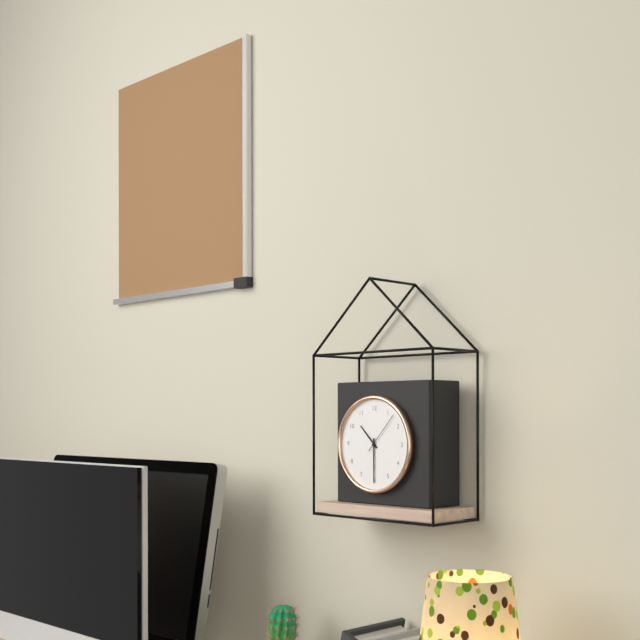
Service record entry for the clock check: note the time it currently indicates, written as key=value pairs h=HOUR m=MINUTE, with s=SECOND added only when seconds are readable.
h=10 m=30
